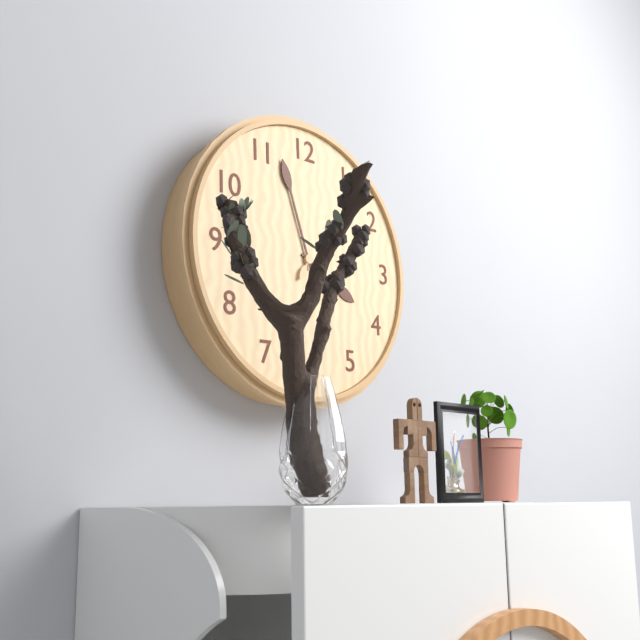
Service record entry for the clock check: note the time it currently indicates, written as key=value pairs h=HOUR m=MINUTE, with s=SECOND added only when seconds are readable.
h=3 m=57
